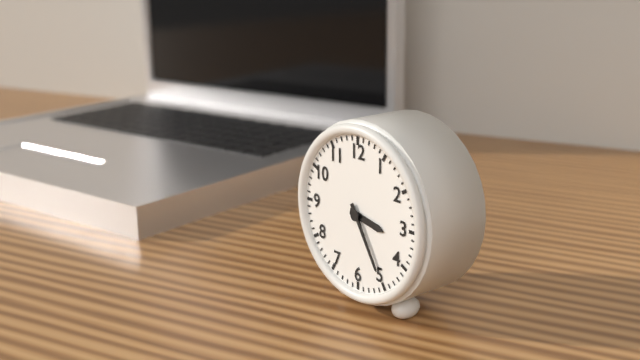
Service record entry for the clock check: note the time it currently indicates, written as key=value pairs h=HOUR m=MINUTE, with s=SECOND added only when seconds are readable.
h=3 m=25
